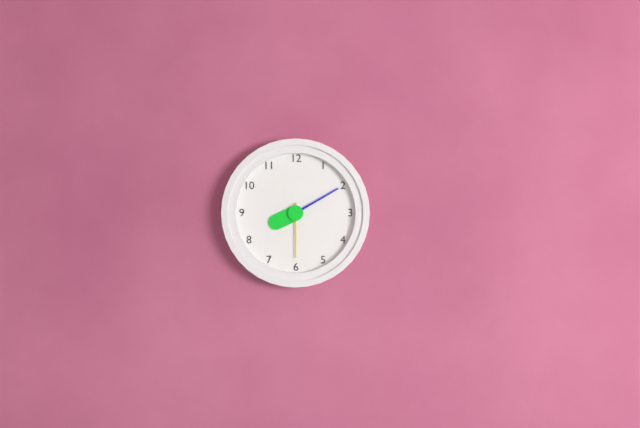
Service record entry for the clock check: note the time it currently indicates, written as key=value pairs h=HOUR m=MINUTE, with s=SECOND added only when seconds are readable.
h=8 m=10 s=30
